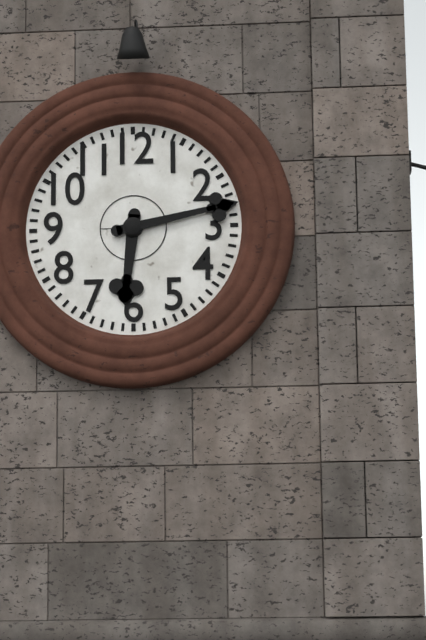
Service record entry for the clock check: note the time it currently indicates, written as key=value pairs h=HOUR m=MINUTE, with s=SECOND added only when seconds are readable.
h=6 m=13
